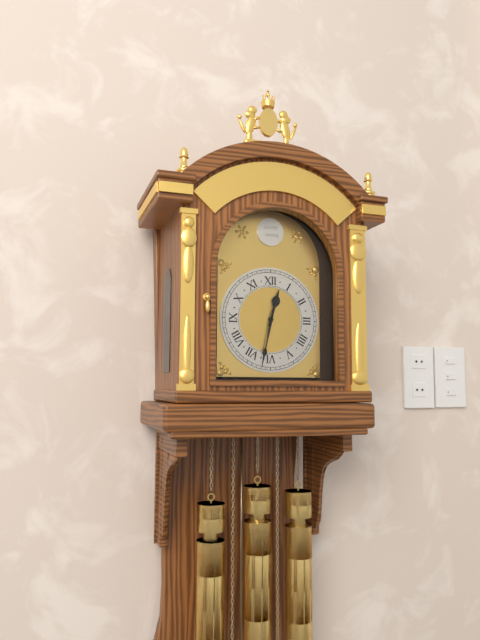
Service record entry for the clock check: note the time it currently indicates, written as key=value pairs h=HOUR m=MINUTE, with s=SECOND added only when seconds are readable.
h=12 m=32
